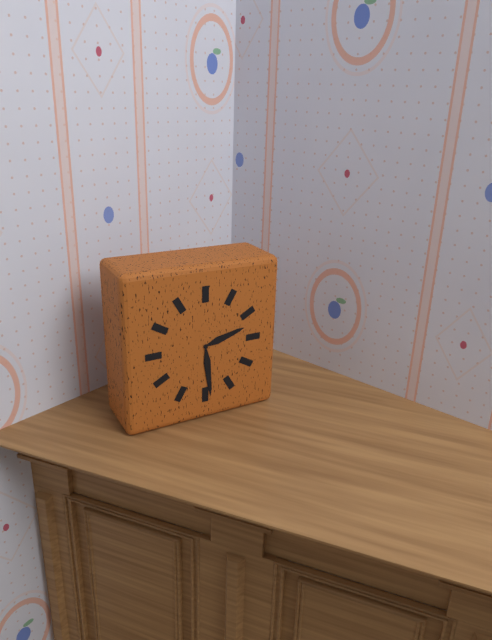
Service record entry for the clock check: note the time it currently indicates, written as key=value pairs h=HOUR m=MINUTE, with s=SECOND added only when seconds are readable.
h=2 m=29
